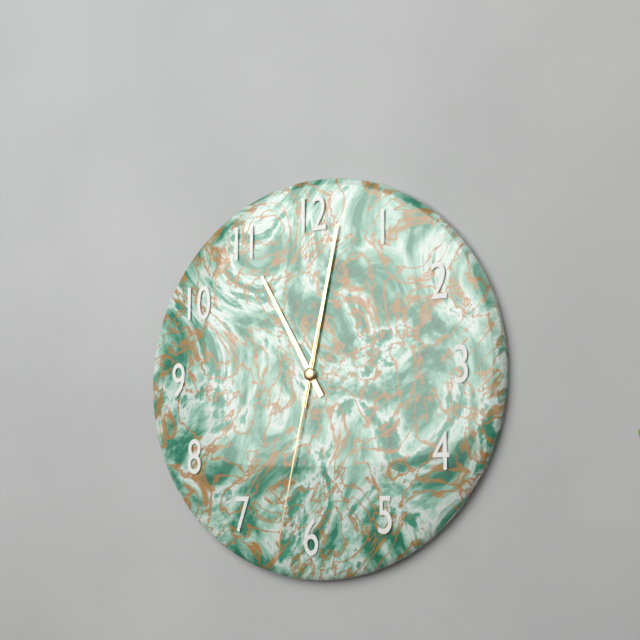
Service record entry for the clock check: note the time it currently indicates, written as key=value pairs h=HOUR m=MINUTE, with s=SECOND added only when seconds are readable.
h=11 m=2 s=32
